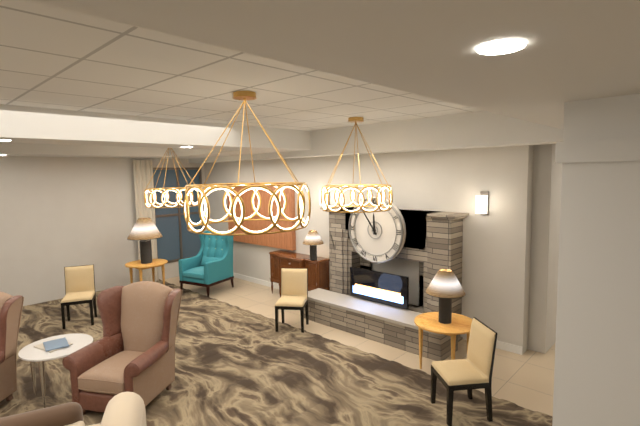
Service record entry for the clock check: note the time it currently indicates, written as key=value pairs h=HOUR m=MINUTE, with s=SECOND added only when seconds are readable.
h=11 m=54
